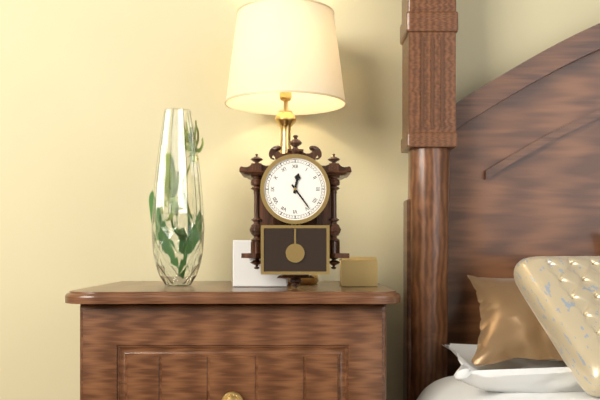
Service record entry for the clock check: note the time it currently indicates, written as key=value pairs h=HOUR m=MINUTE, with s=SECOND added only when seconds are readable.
h=12 m=24
